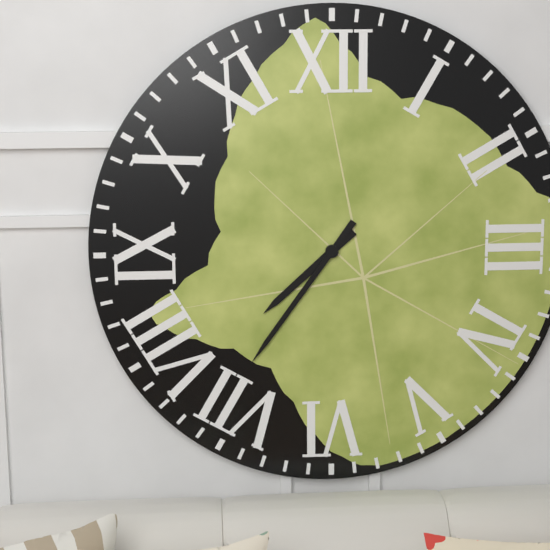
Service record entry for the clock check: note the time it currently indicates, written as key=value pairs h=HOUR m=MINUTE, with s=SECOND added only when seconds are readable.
h=7 m=36
